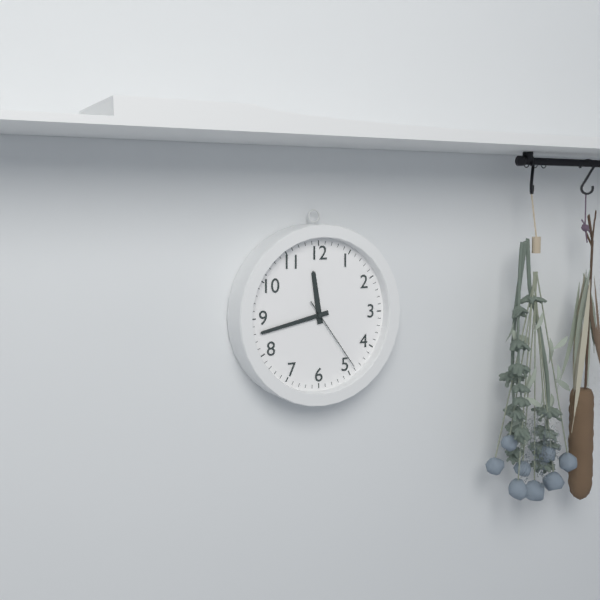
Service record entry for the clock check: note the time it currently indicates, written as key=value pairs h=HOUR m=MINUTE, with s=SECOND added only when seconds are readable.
h=11 m=43 s=24
